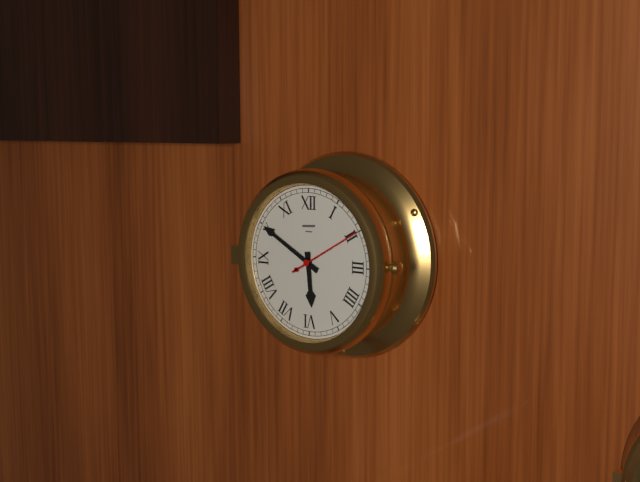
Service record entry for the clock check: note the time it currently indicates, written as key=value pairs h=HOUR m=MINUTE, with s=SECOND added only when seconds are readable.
h=5 m=50
